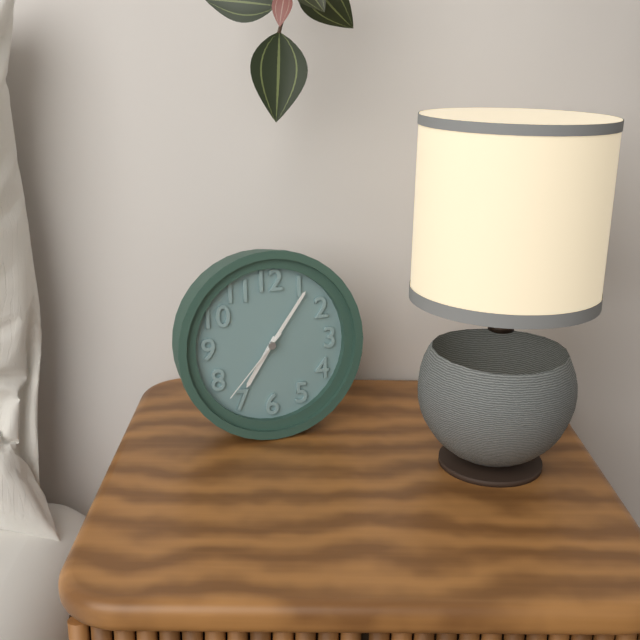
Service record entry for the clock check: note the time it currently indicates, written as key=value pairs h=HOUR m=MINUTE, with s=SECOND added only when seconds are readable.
h=7 m=6 s=37
